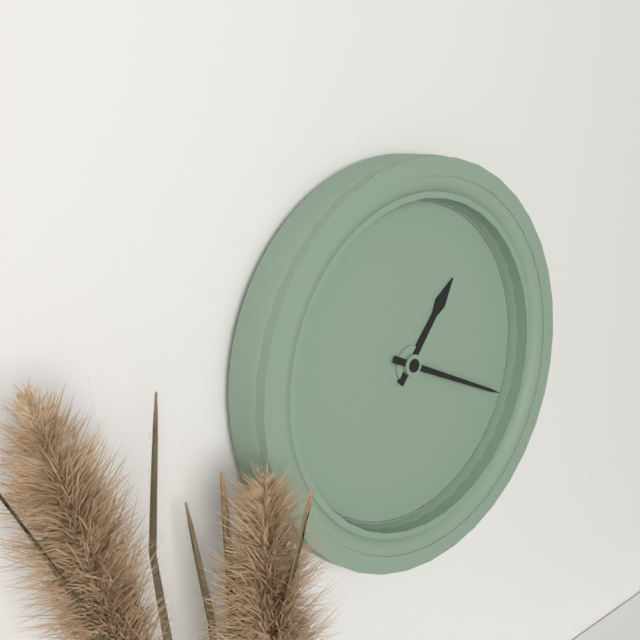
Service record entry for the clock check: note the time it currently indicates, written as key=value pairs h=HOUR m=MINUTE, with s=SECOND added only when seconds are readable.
h=1 m=19
